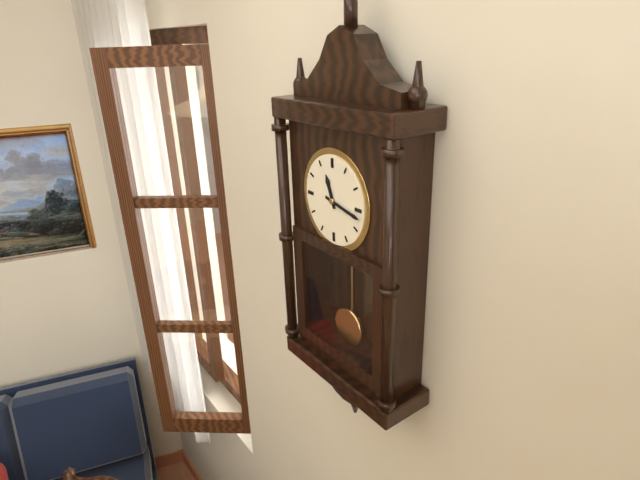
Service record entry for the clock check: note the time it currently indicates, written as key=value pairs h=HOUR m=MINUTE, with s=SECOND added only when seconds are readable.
h=11 m=17
